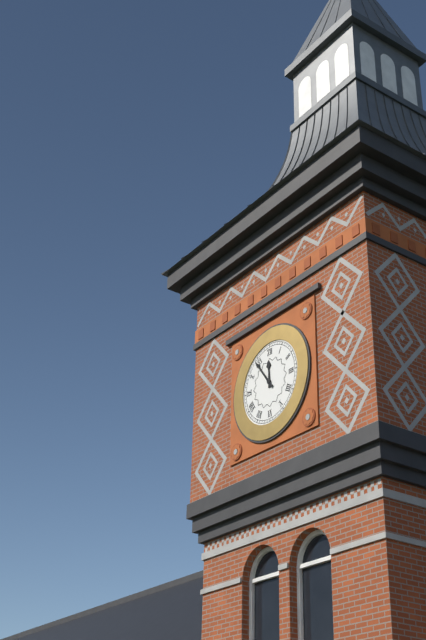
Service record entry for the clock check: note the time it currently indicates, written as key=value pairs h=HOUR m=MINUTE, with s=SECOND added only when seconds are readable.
h=11 m=54
